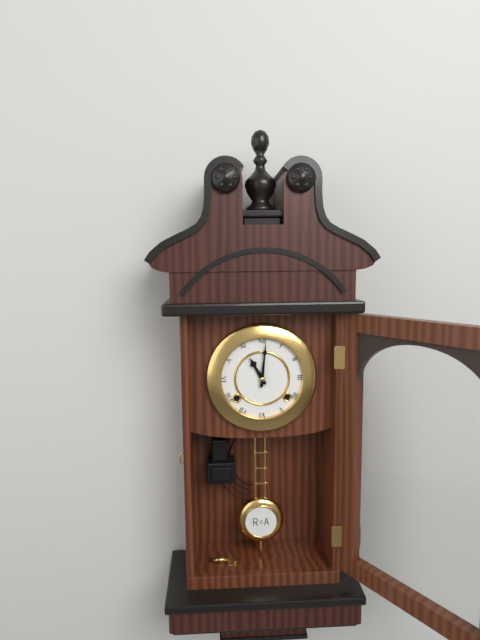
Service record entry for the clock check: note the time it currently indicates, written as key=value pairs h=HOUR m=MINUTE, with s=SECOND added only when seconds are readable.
h=11 m=1
